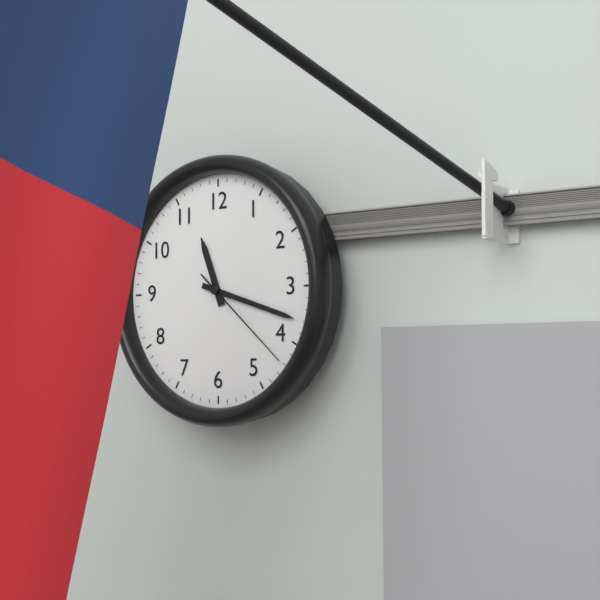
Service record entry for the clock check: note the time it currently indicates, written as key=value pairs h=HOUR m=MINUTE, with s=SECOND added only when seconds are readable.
h=11 m=18 s=22
